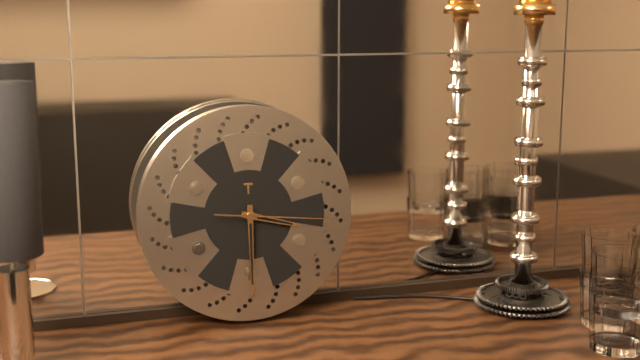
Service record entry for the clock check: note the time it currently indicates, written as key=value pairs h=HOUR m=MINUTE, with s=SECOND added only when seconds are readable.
h=3 m=30 s=16
